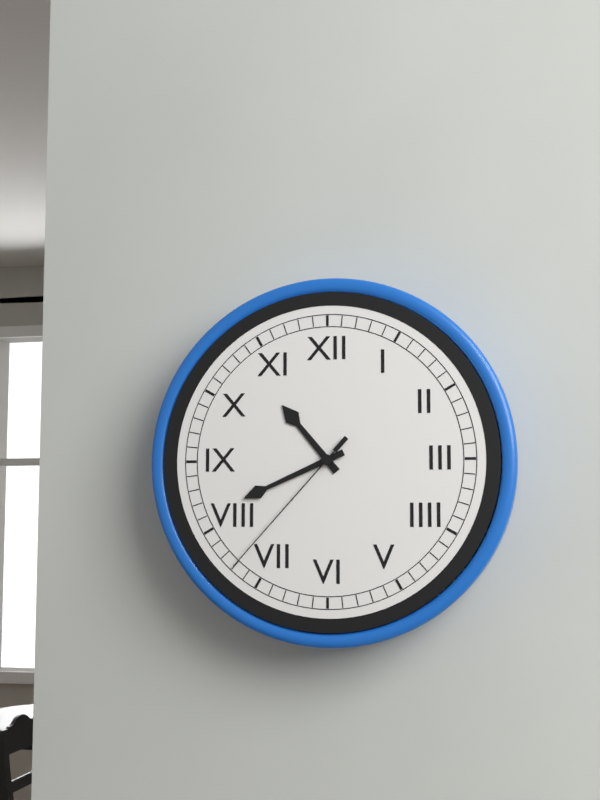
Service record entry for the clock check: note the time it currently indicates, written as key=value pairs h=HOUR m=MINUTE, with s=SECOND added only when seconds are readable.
h=10 m=41 s=37
